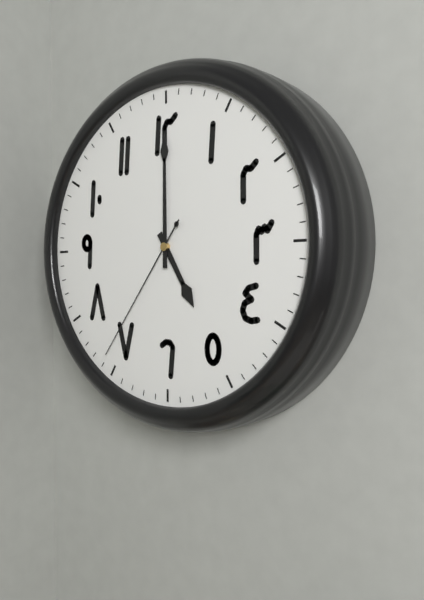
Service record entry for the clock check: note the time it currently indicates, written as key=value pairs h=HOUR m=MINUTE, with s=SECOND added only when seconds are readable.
h=5 m=0 s=36
